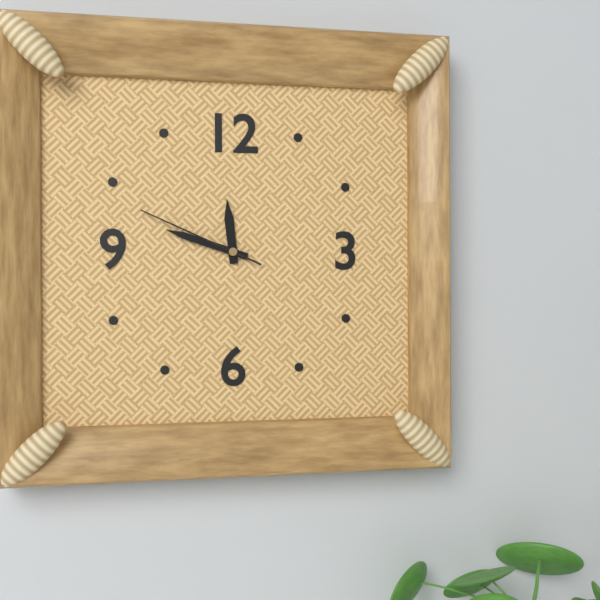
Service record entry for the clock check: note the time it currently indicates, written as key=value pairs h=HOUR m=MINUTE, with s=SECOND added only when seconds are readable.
h=11 m=48 s=49
